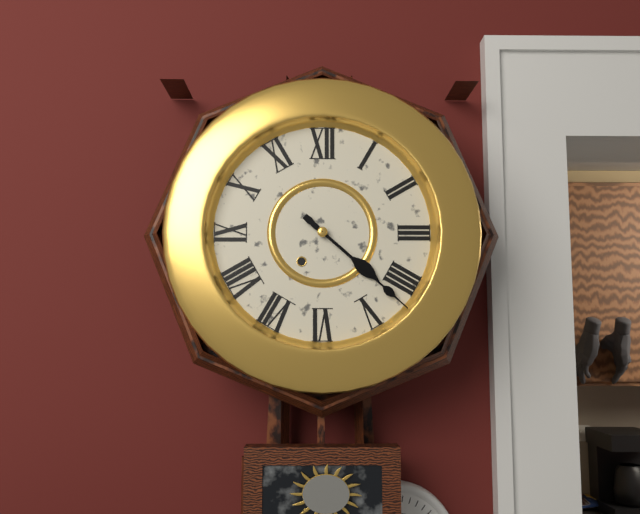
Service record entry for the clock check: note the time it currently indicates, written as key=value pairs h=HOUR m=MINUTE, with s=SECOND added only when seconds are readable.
h=4 m=22
